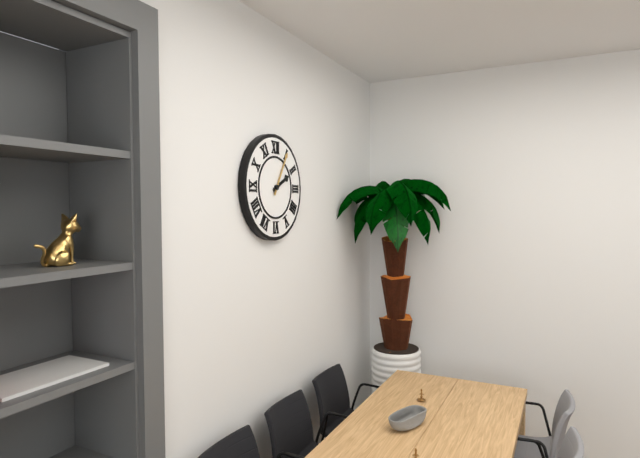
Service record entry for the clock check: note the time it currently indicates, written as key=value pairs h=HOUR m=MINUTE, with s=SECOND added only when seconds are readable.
h=2 m=5
